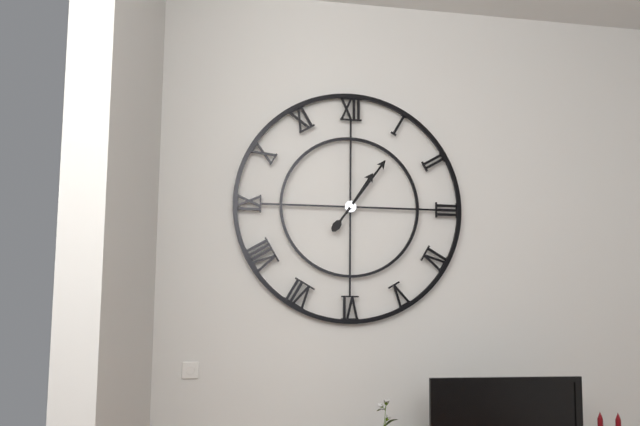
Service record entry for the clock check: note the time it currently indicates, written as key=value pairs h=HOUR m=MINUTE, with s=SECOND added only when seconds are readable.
h=1 m=6
